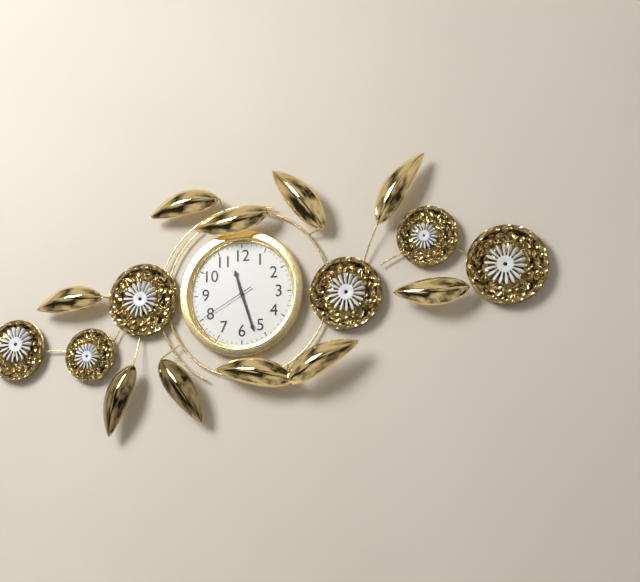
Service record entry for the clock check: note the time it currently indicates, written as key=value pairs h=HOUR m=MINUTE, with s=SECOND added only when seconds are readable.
h=11 m=27 s=40
